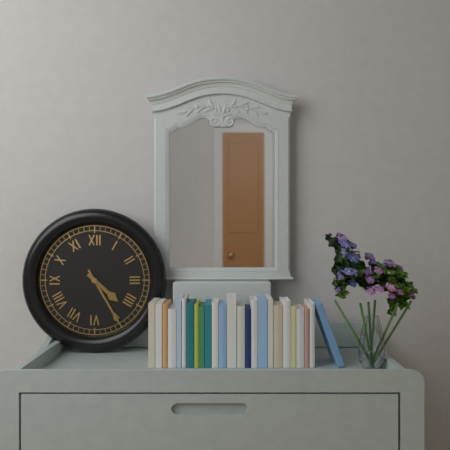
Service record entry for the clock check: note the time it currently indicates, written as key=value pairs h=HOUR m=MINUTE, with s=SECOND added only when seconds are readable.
h=4 m=25
